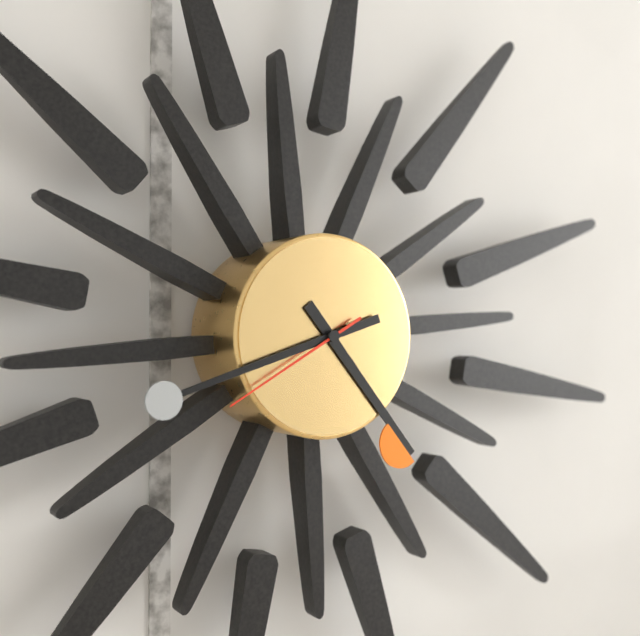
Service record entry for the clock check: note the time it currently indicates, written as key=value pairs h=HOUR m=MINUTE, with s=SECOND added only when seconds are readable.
h=4 m=42 s=40
